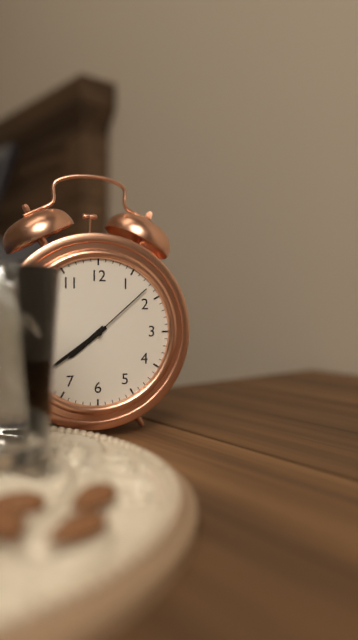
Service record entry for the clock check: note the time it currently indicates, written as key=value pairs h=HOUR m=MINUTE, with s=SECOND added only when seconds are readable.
h=7 m=39 s=8
